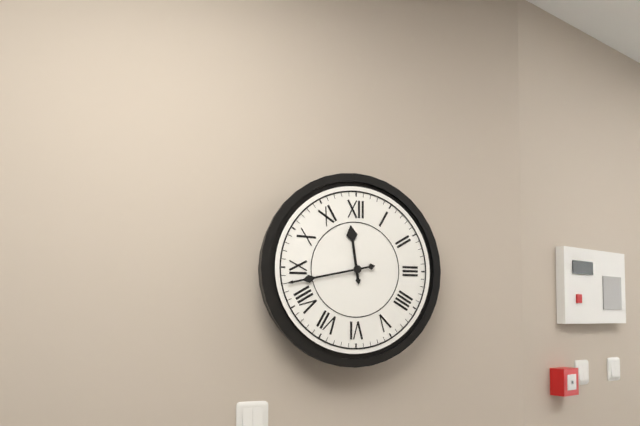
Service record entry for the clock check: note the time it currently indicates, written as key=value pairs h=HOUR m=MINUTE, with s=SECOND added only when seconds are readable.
h=11 m=43
